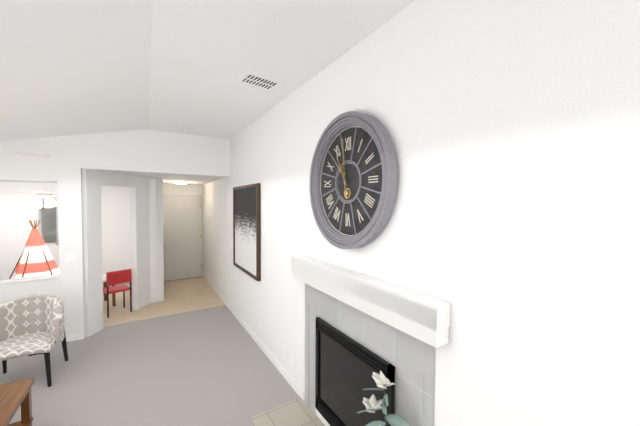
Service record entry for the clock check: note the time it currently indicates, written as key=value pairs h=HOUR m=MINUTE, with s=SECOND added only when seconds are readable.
h=10 m=59
